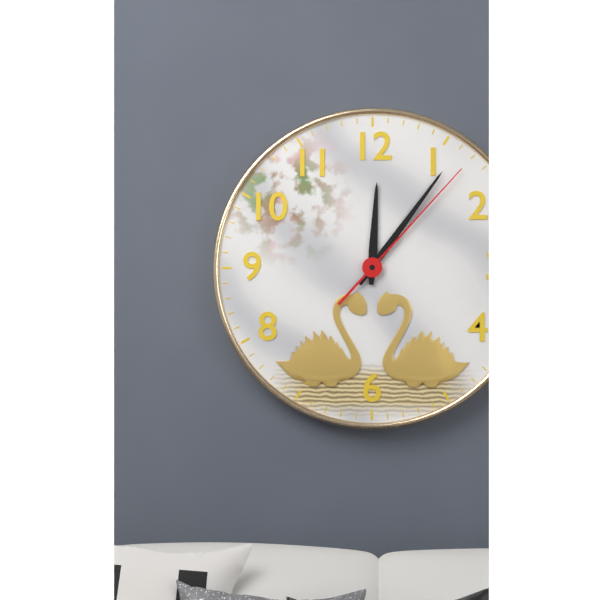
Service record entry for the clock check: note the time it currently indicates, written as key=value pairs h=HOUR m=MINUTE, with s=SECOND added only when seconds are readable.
h=12 m=6 s=7
